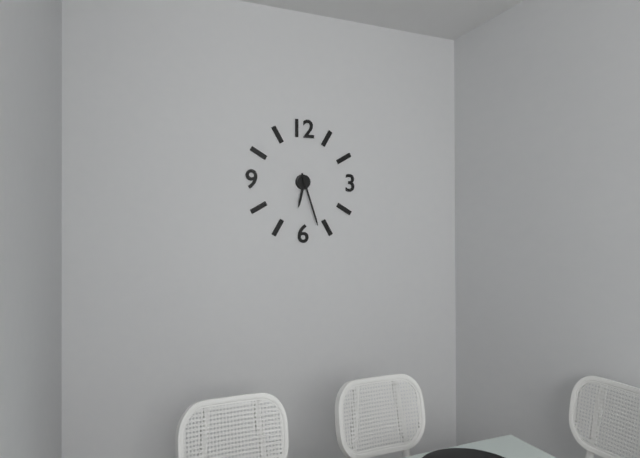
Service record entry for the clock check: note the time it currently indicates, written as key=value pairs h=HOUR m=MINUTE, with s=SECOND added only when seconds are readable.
h=6 m=27
